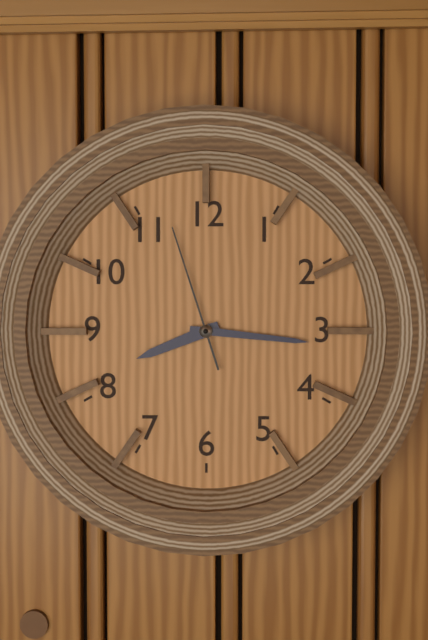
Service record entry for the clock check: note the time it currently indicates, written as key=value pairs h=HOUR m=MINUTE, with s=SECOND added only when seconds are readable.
h=8 m=16 s=57
